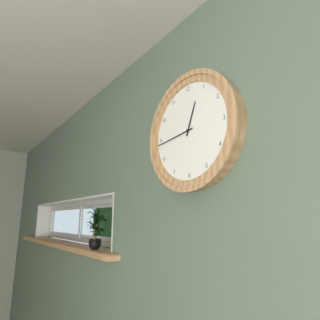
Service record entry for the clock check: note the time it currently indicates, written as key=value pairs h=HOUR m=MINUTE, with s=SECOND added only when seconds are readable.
h=12 m=44
